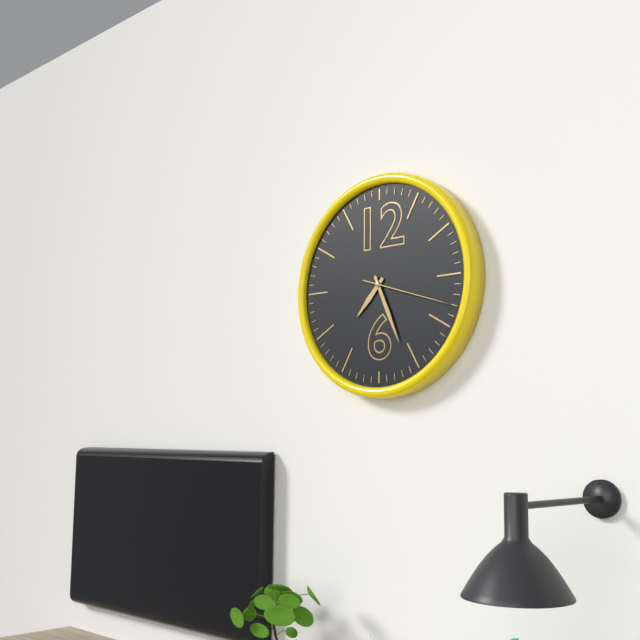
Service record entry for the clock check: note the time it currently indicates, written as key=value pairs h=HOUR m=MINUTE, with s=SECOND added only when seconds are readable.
h=7 m=26 s=18
